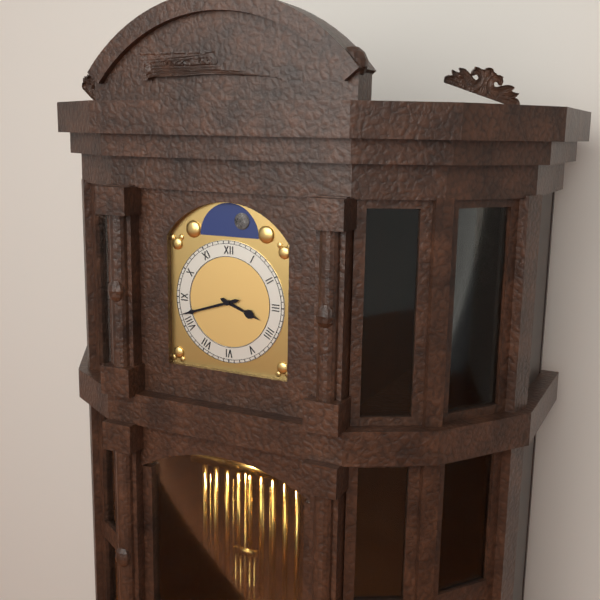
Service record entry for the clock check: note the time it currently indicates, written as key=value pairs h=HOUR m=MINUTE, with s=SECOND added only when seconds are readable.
h=3 m=42
